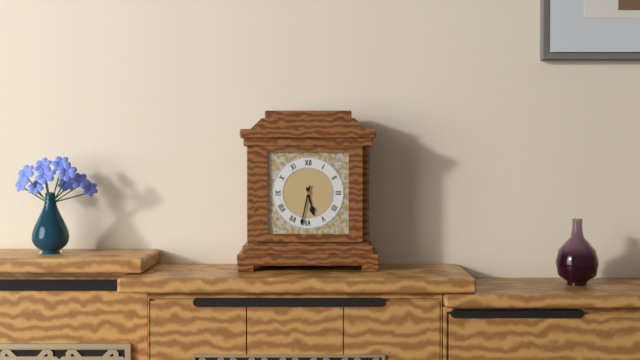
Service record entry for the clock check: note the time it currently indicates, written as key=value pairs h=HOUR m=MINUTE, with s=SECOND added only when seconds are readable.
h=5 m=32
